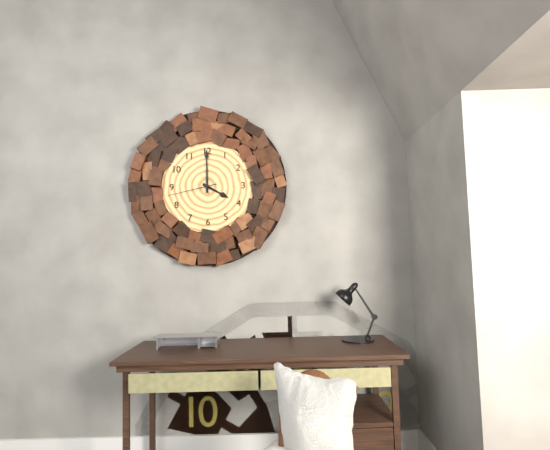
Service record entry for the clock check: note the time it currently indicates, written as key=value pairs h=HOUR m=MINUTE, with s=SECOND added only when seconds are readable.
h=4 m=0 s=43
